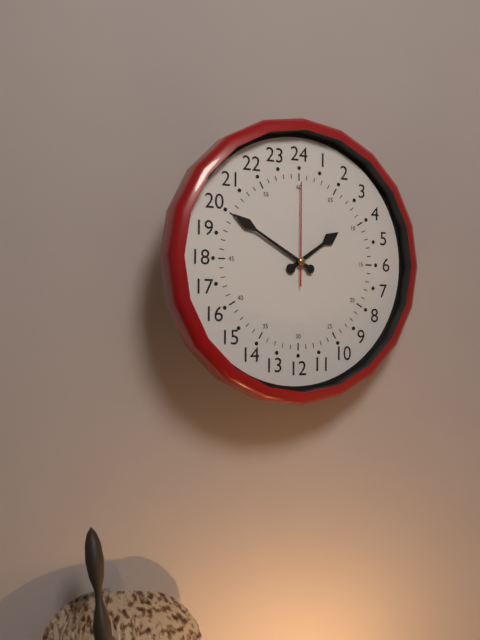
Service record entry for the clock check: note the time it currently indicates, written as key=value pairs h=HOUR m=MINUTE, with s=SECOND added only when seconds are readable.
h=1 m=50 s=0
